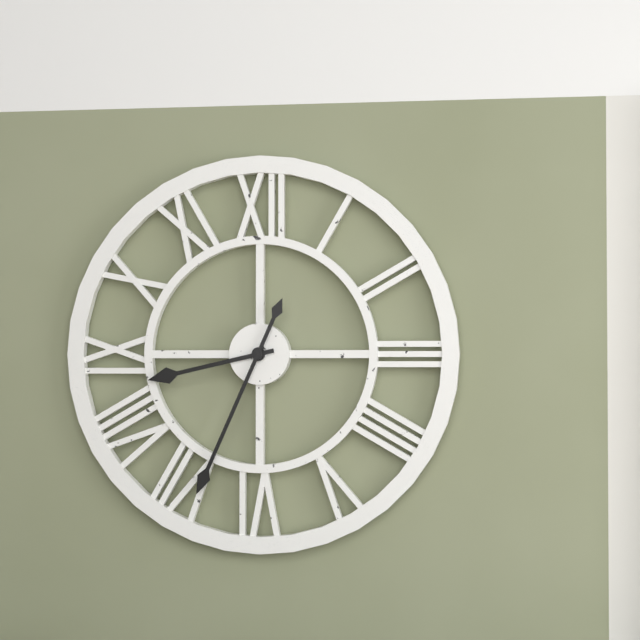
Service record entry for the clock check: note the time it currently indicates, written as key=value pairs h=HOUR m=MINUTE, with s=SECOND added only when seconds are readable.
h=8 m=34
